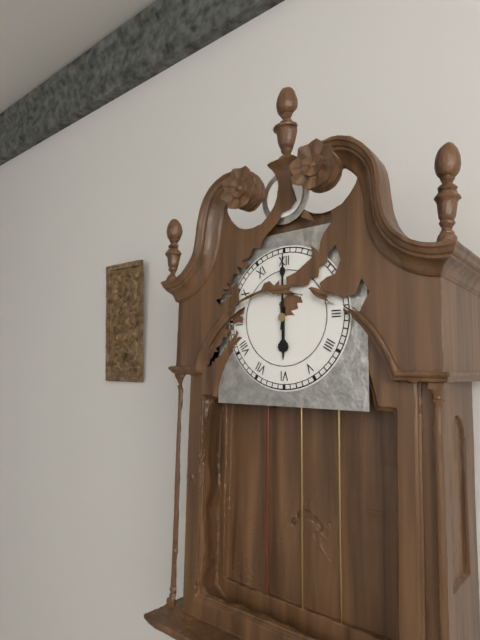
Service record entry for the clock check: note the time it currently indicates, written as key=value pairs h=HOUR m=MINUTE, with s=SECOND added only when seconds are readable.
h=6 m=0
